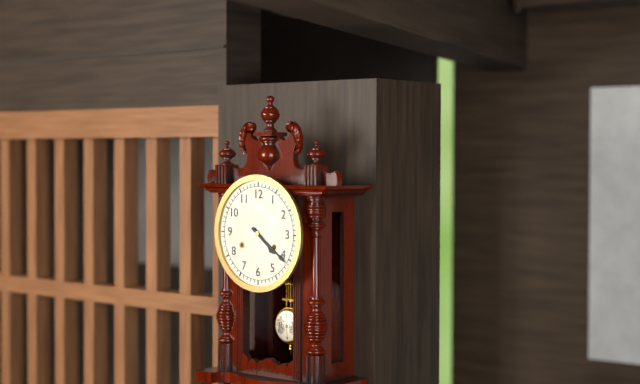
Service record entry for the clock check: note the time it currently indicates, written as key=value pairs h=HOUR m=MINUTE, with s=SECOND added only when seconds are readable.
h=4 m=21
